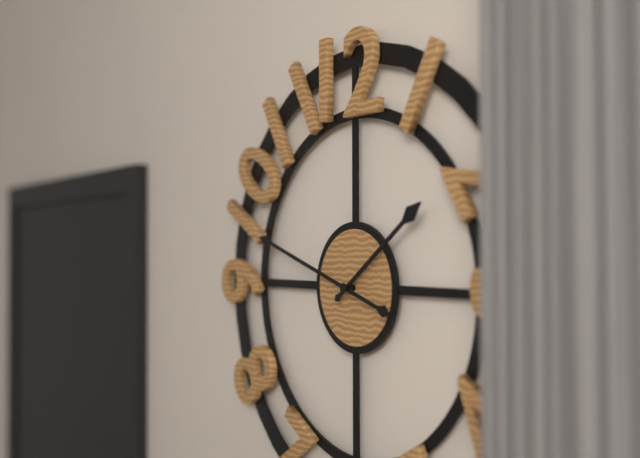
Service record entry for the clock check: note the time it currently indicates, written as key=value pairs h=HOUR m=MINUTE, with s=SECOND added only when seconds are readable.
h=1 m=48
